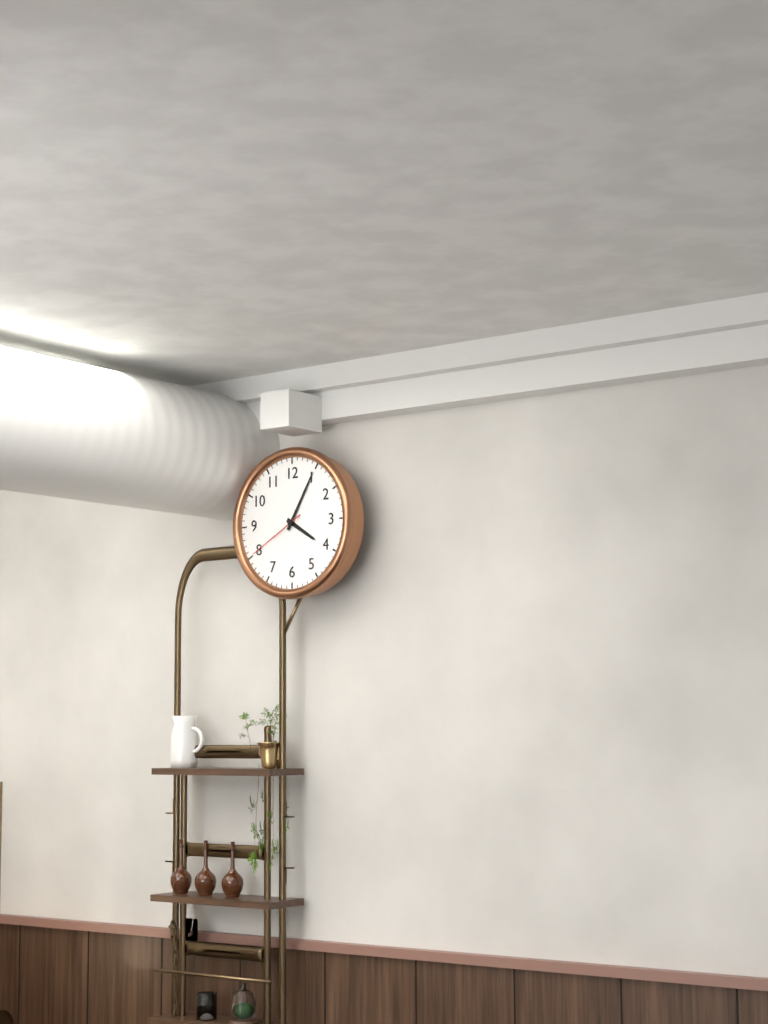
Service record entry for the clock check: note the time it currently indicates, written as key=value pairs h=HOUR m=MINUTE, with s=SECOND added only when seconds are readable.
h=4 m=5 s=40
